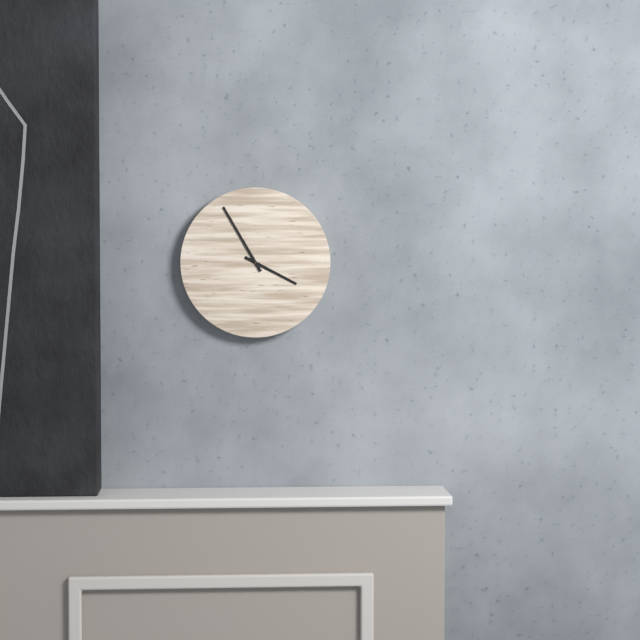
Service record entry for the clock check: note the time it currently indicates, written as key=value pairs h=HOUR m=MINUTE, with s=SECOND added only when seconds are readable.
h=3 m=55
